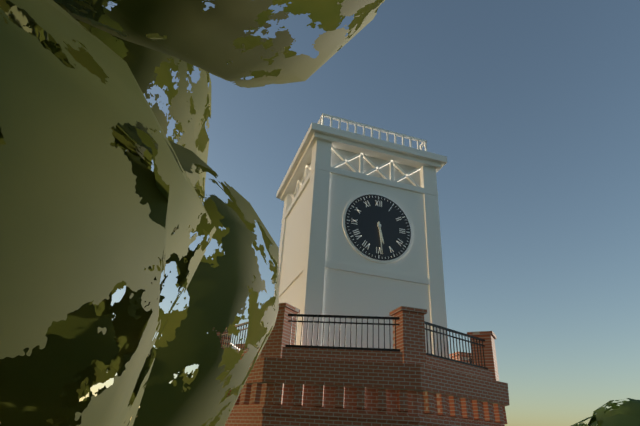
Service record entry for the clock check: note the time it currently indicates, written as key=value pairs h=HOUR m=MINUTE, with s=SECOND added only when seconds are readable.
h=5 m=29
